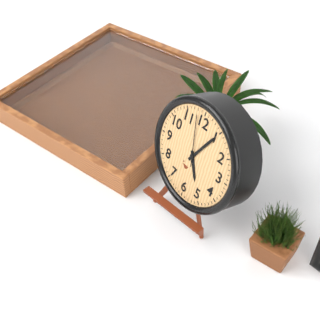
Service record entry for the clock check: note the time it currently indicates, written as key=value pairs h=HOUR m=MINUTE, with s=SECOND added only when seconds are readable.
h=5 m=5 s=58
